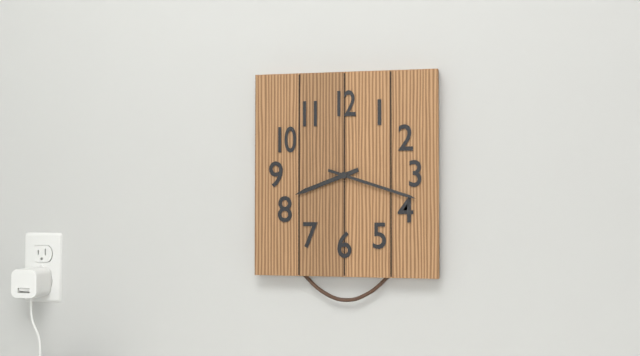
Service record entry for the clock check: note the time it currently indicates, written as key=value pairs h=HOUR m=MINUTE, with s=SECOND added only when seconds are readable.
h=8 m=18
